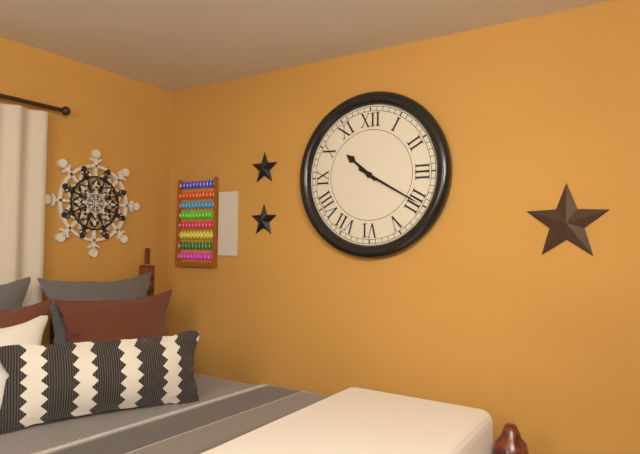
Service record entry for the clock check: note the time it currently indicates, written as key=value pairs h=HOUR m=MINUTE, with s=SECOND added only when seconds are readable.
h=10 m=20
